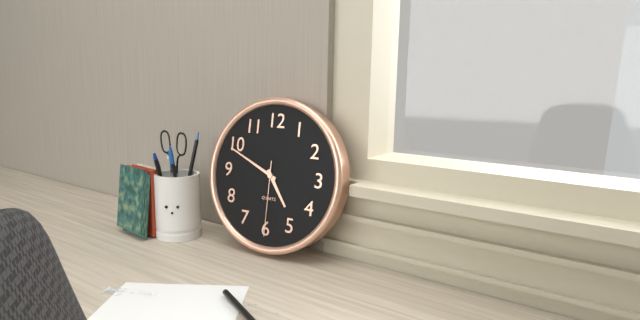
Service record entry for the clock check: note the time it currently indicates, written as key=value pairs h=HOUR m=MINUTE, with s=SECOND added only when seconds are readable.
h=4 m=49 s=30
